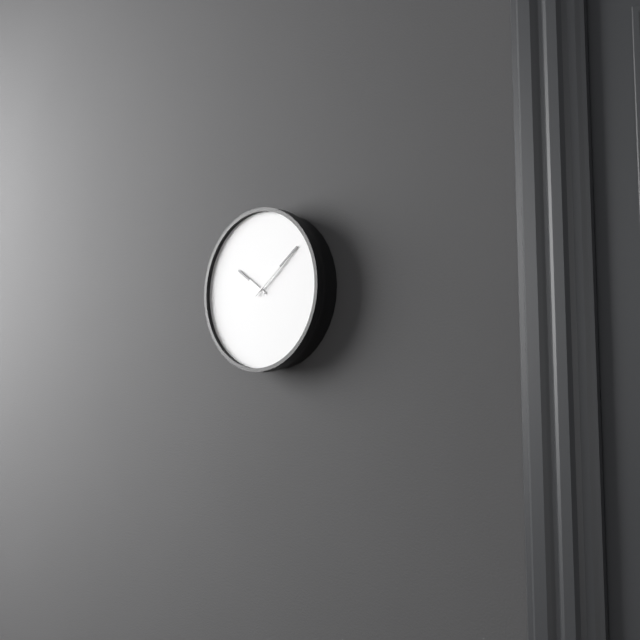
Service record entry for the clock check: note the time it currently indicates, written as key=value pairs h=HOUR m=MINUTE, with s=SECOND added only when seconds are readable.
h=10 m=9
